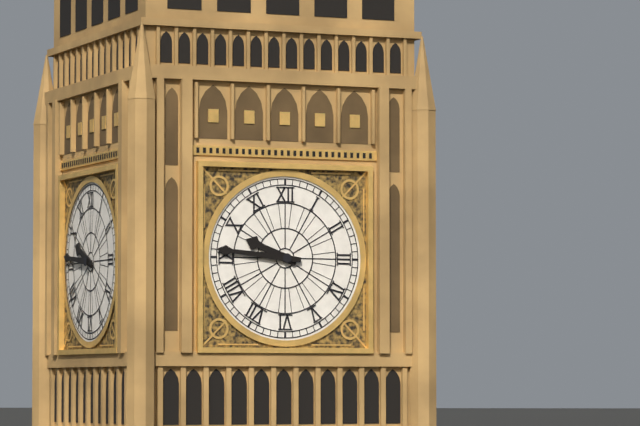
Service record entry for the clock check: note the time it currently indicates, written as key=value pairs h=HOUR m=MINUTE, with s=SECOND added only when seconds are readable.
h=9 m=46
